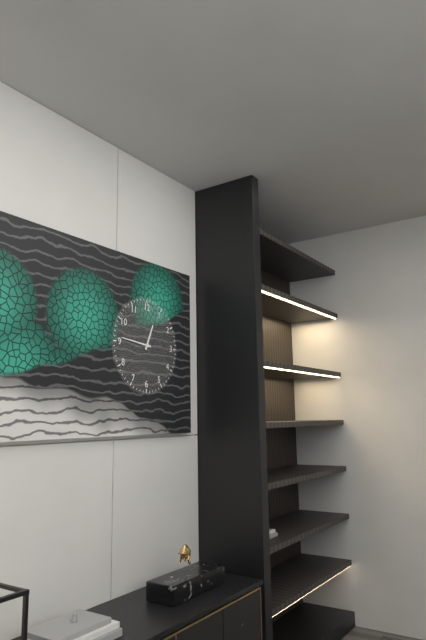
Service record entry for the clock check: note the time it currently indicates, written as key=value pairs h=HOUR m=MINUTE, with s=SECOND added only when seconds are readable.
h=12 m=46
